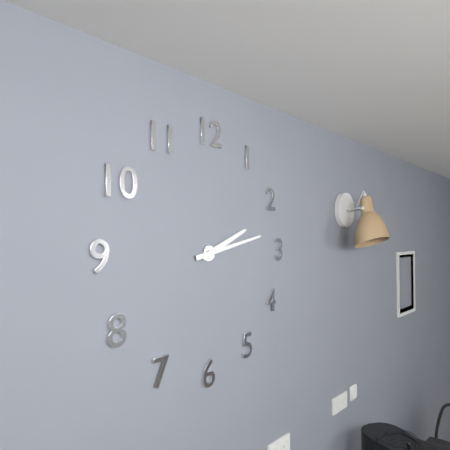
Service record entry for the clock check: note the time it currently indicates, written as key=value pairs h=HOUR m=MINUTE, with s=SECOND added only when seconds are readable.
h=2 m=13
